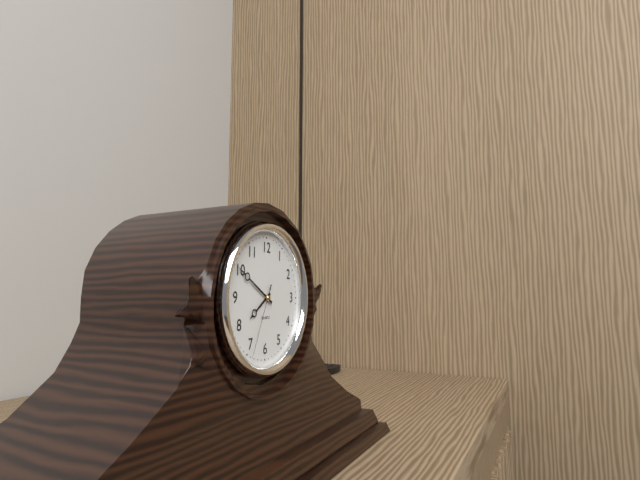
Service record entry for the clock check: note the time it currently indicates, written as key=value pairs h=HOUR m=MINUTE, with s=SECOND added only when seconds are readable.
h=7 m=50 s=34
